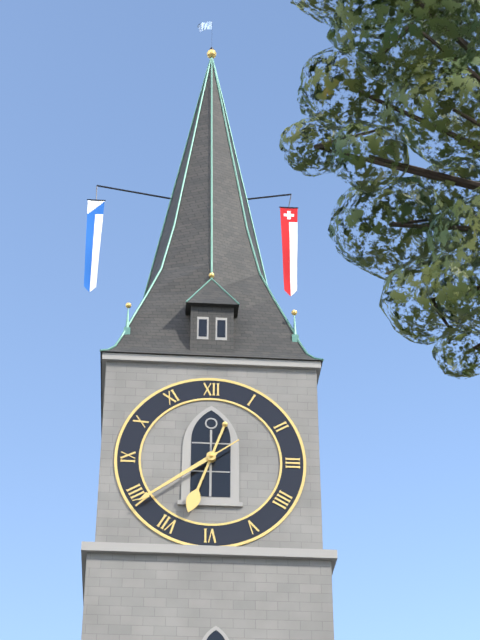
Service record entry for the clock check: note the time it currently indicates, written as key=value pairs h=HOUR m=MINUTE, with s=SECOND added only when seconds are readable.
h=6 m=39
